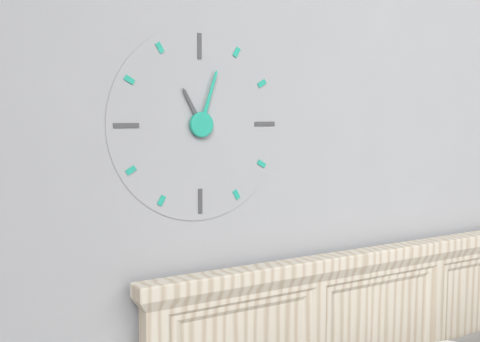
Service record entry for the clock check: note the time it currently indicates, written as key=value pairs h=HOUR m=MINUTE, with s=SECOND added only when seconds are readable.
h=11 m=3
